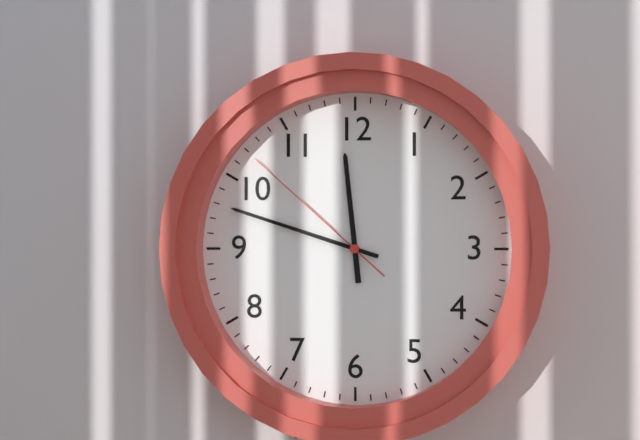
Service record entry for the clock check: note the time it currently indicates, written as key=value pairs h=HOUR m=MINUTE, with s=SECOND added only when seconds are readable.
h=11 m=48 s=52
